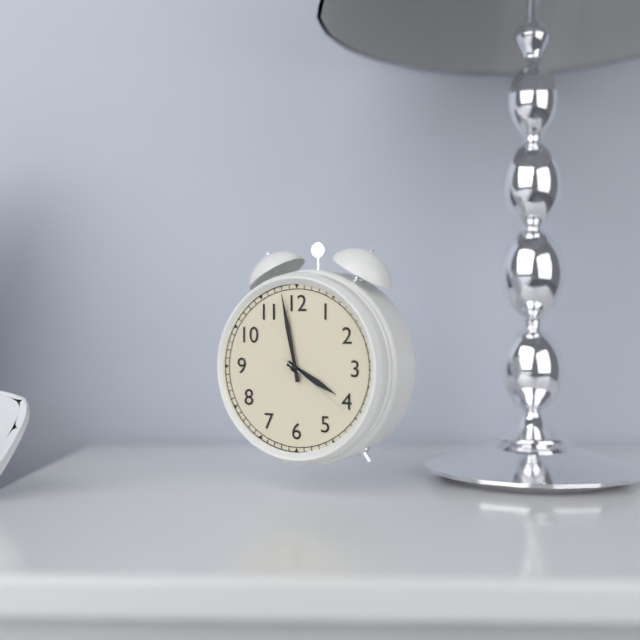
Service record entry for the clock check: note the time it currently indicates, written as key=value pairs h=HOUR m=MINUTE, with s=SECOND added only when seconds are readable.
h=3 m=58 s=21
